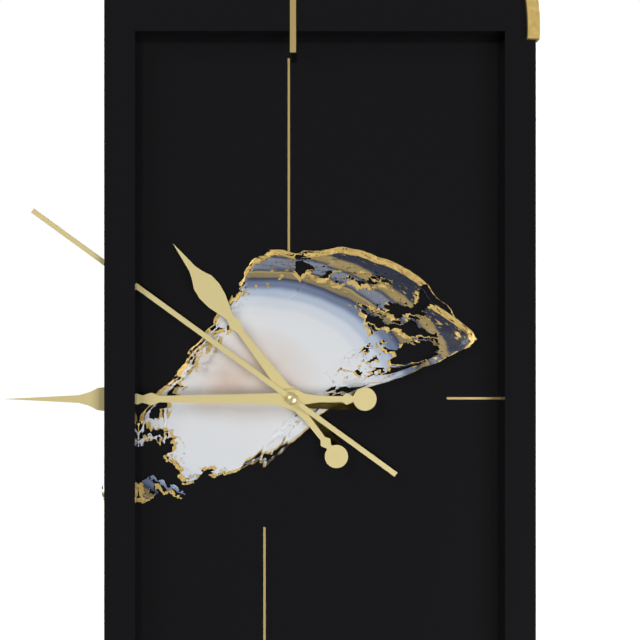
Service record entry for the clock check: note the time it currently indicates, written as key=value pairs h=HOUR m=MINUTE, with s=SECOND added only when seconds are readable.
h=10 m=45 s=51
